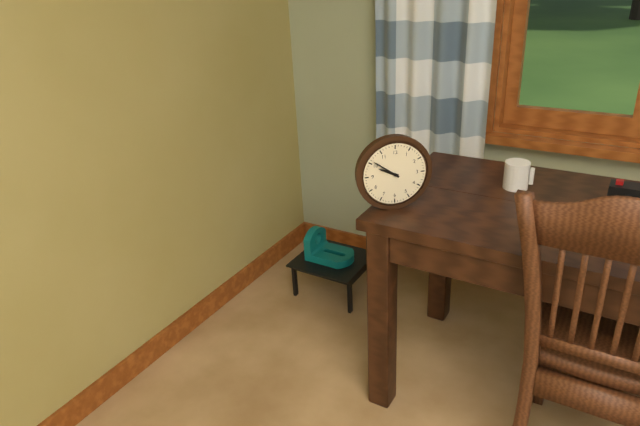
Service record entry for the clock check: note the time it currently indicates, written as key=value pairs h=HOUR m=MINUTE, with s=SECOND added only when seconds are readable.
h=9 m=51
